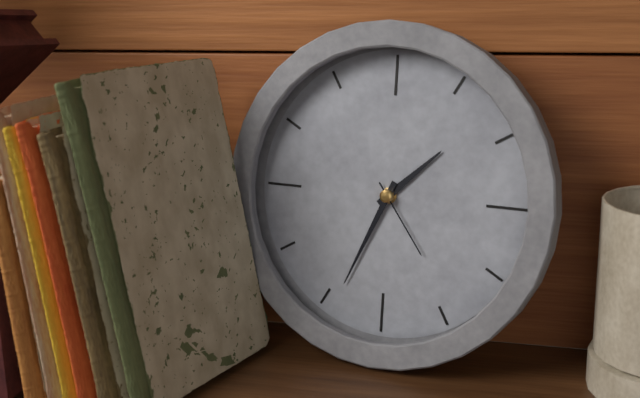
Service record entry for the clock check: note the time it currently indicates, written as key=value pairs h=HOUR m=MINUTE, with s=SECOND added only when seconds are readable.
h=1 m=34 s=24
